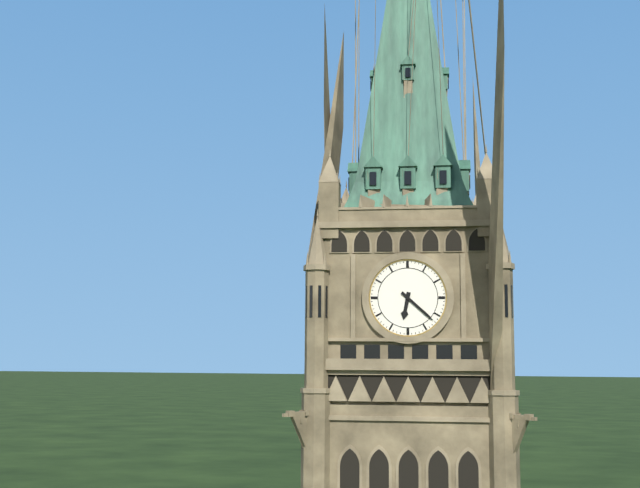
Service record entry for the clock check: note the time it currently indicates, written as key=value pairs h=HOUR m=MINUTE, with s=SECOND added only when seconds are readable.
h=6 m=22
